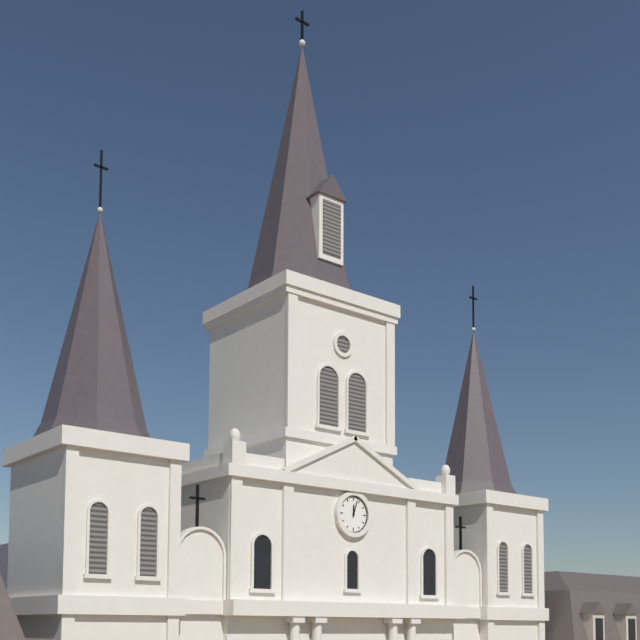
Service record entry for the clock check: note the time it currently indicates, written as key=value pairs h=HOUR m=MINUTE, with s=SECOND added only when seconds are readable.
h=12 m=3
